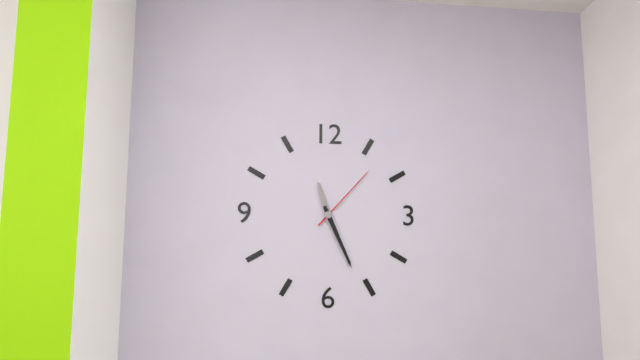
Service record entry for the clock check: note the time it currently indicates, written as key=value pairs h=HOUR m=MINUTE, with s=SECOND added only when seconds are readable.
h=11 m=26 s=7
